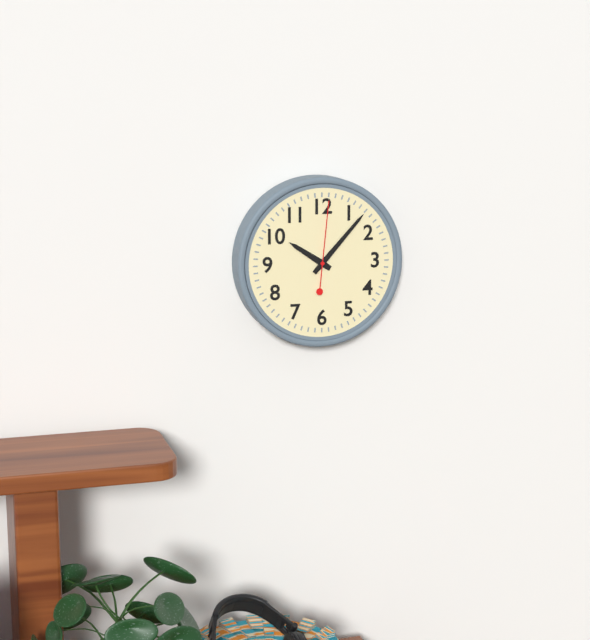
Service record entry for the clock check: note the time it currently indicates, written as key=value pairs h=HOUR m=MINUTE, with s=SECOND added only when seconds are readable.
h=10 m=7 s=1
